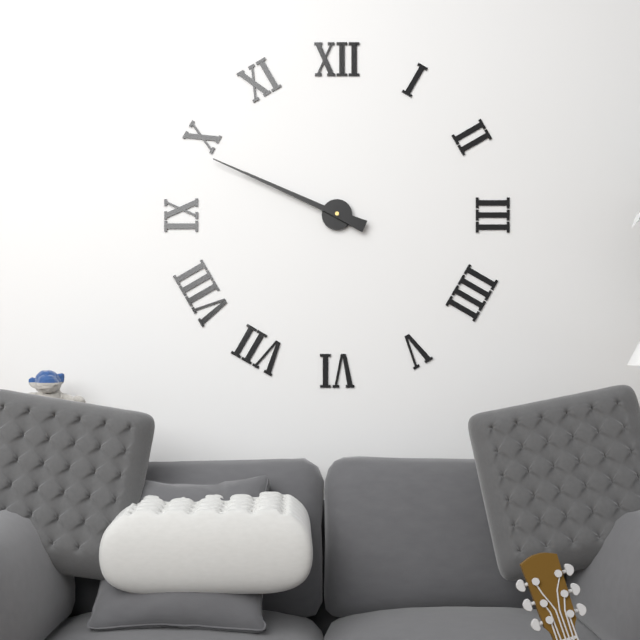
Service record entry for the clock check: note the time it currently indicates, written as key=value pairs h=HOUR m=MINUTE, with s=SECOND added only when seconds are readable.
h=9 m=49
